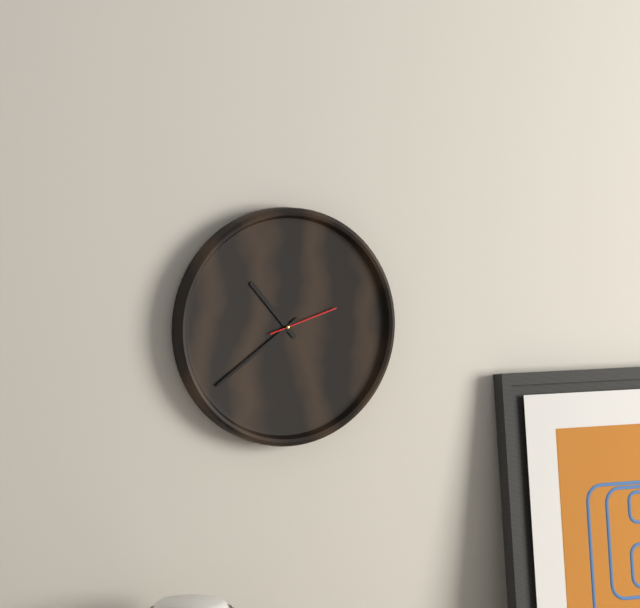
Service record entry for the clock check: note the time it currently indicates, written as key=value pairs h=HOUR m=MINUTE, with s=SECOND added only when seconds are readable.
h=10 m=39 s=12
